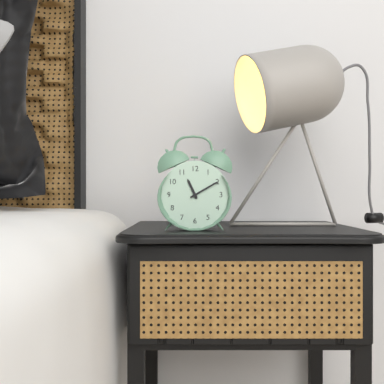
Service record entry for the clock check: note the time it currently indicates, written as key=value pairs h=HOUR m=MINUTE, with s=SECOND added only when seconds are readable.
h=11 m=10
